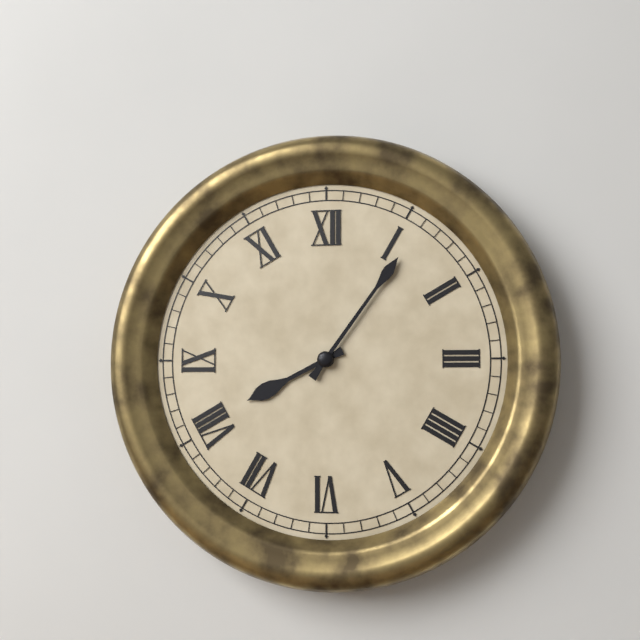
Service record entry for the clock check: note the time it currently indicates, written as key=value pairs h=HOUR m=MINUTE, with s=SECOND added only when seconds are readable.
h=8 m=6
